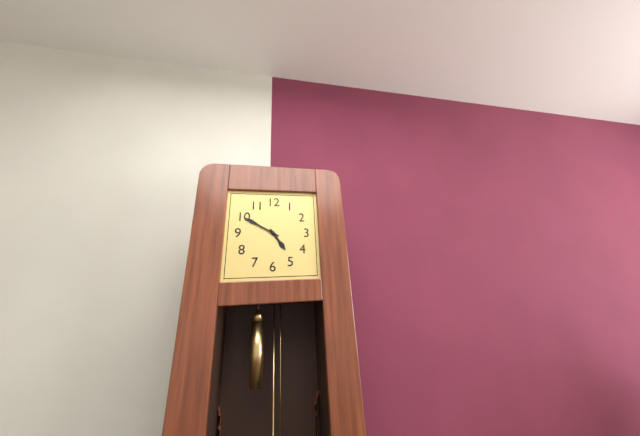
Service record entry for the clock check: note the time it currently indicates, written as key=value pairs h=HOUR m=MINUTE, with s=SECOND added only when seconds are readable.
h=4 m=50
